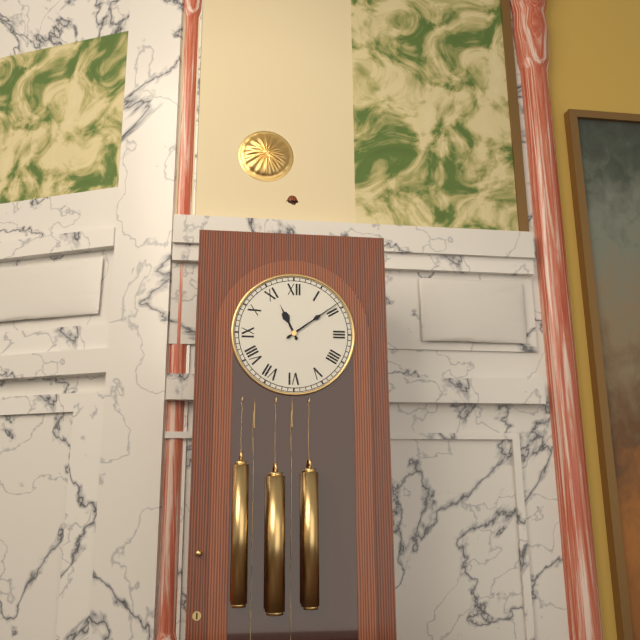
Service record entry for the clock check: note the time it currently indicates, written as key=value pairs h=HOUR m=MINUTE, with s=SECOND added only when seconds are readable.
h=11 m=9
